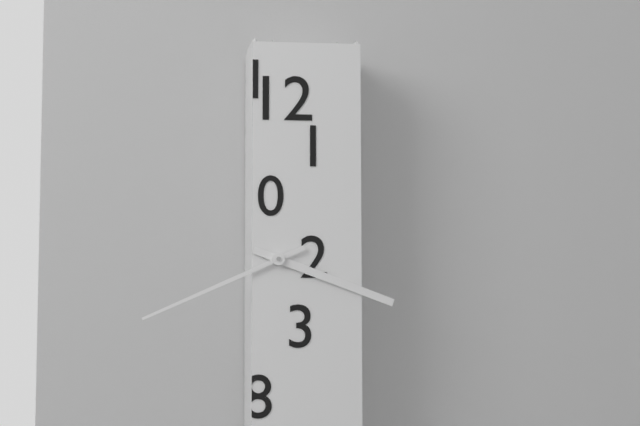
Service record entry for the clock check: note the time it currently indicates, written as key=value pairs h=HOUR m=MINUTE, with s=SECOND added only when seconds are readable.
h=3 m=41
